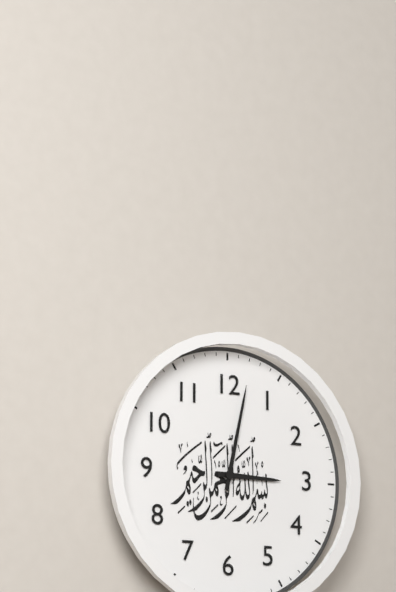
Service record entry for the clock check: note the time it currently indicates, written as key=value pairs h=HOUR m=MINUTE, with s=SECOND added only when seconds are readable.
h=3 m=2
